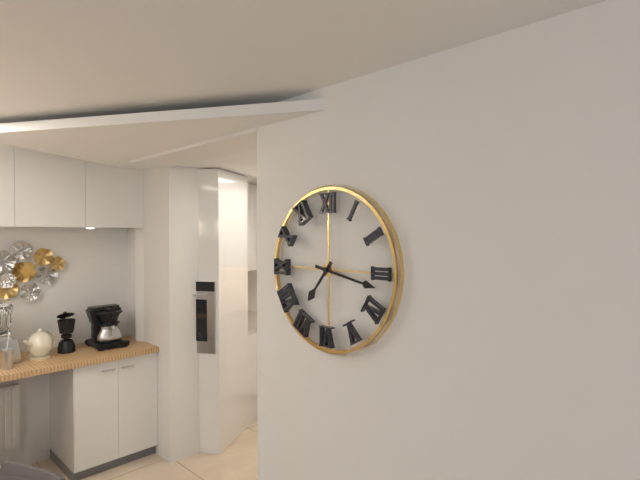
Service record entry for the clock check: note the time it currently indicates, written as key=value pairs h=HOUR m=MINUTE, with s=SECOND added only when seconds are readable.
h=7 m=17
